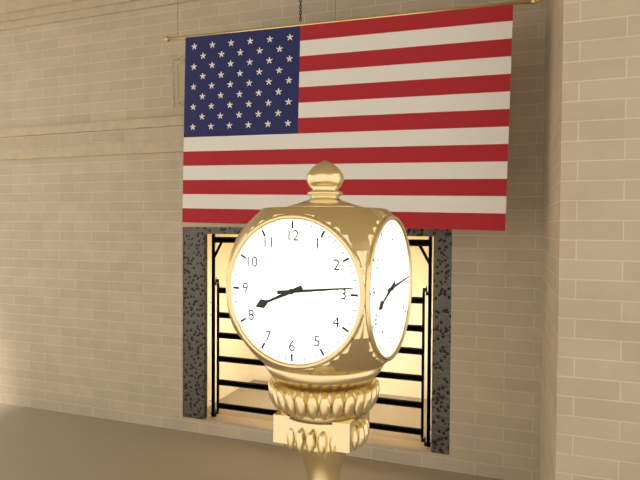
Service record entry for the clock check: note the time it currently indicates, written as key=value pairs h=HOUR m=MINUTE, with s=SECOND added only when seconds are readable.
h=8 m=14
